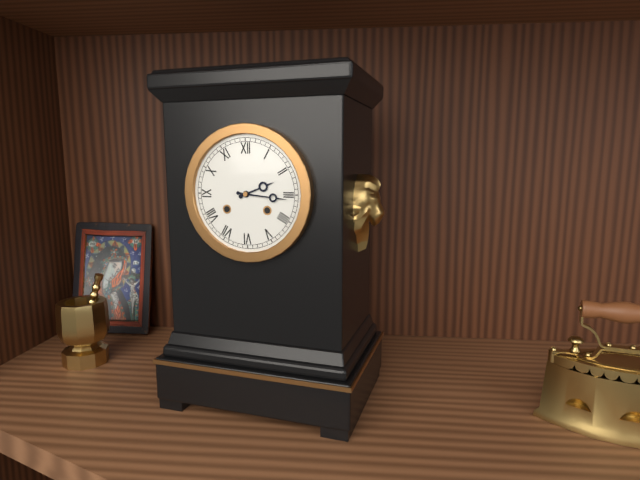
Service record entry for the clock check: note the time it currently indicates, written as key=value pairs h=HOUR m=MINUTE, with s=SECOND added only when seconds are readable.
h=2 m=16
